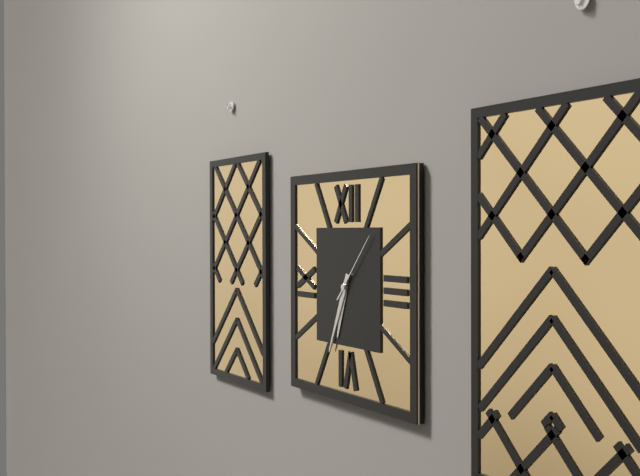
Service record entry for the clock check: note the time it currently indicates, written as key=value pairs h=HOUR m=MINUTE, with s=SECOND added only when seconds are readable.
h=6 m=34 s=7
